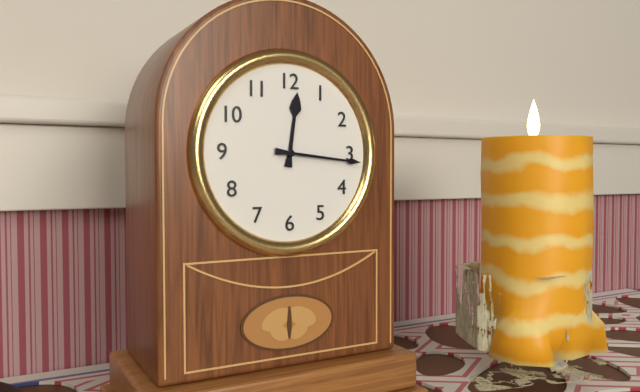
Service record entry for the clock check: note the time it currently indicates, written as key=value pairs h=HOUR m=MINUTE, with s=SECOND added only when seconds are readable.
h=12 m=16
